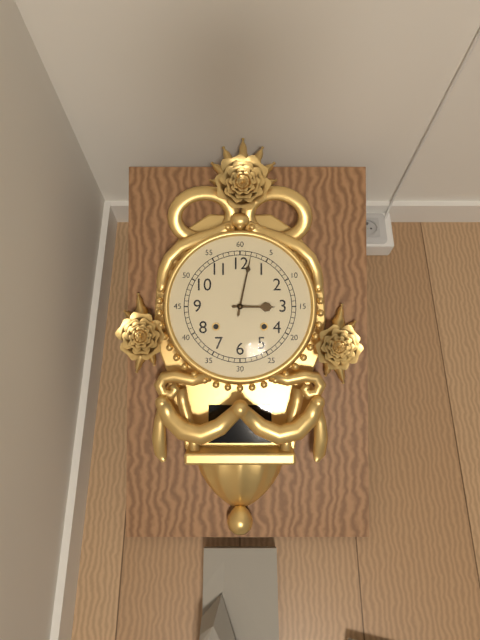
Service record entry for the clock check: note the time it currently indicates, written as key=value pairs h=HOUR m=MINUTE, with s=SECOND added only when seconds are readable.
h=3 m=2
